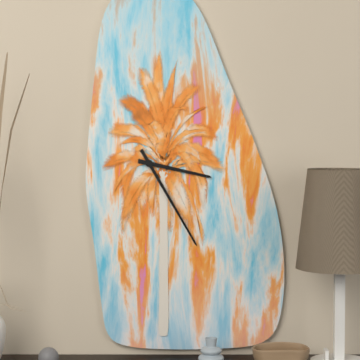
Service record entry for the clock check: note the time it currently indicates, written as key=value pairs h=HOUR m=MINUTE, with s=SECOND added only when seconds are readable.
h=3 m=25
